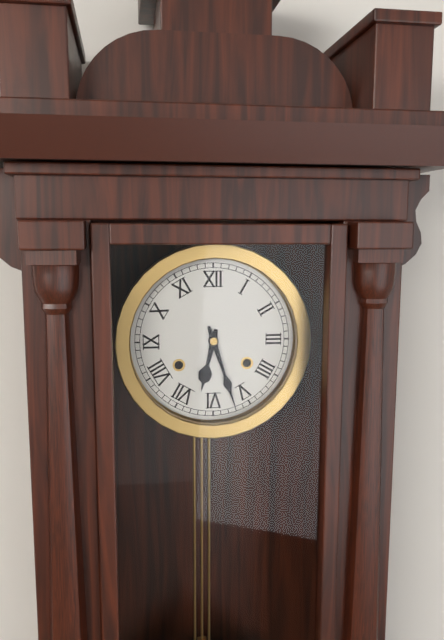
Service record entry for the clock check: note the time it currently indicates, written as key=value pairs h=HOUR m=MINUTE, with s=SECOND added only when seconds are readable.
h=6 m=27
